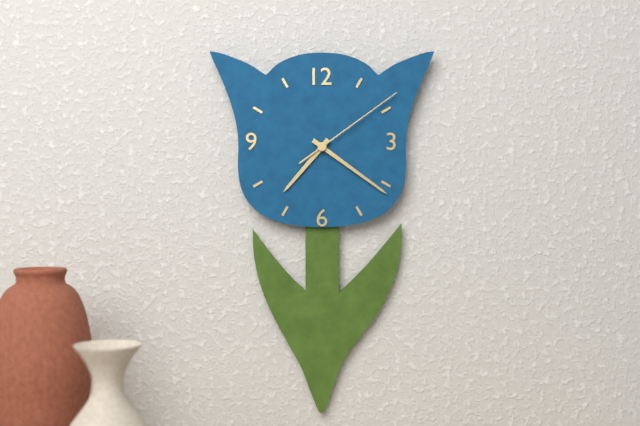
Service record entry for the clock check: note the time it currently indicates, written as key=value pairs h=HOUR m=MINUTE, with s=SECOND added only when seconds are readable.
h=7 m=21 s=9
